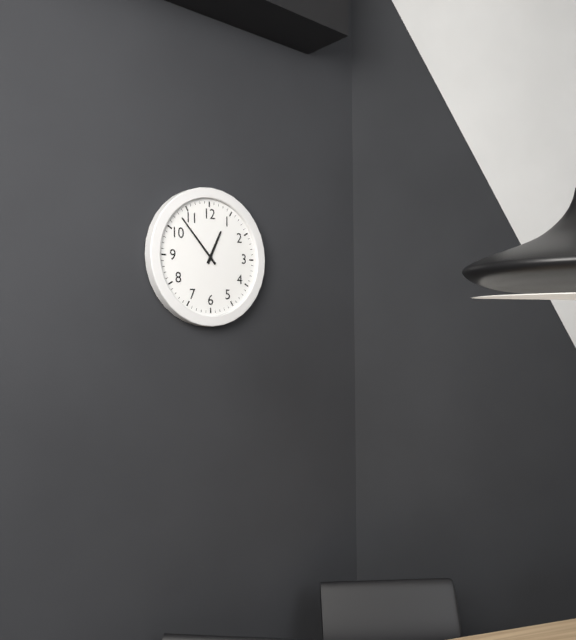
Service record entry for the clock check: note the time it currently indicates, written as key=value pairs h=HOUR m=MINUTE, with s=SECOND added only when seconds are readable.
h=12 m=53
